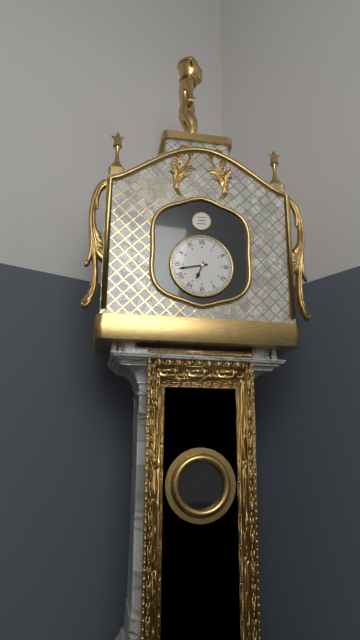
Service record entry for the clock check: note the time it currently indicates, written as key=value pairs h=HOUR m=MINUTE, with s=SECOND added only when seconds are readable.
h=6 m=43
